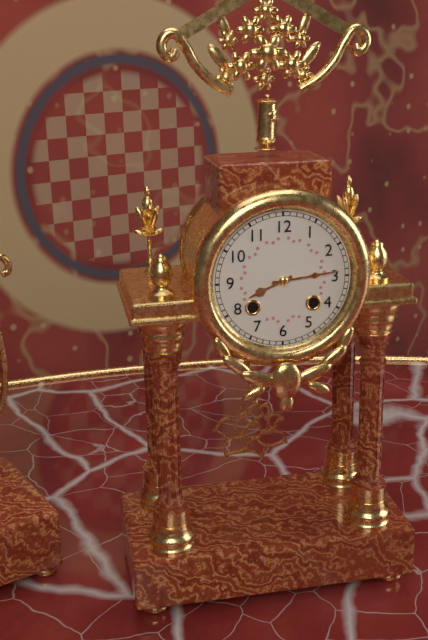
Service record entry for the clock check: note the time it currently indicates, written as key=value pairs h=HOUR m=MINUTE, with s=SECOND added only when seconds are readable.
h=8 m=14
